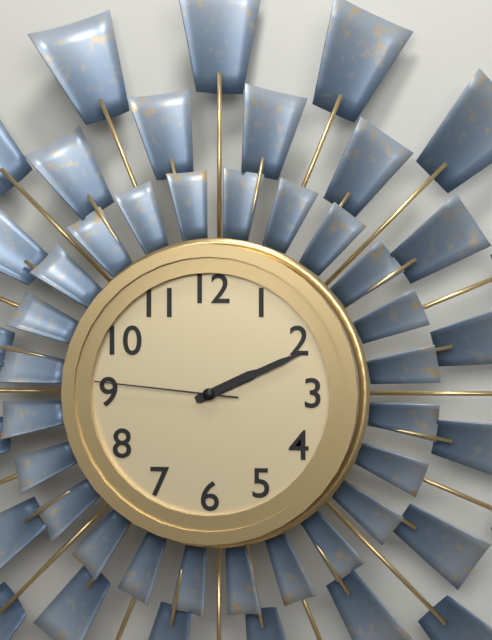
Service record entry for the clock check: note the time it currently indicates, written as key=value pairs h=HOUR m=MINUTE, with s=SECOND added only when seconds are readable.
h=2 m=11 s=46
